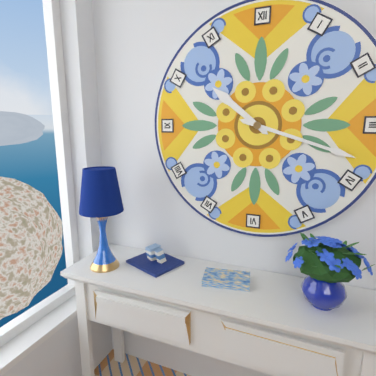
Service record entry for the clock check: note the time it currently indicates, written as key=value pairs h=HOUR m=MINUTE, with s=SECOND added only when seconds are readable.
h=10 m=18
